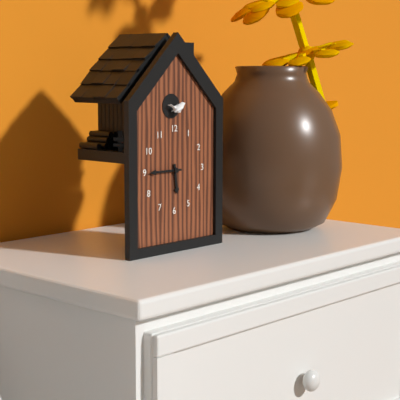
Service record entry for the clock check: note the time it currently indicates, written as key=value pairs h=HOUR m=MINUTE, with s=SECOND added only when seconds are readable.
h=5 m=45
